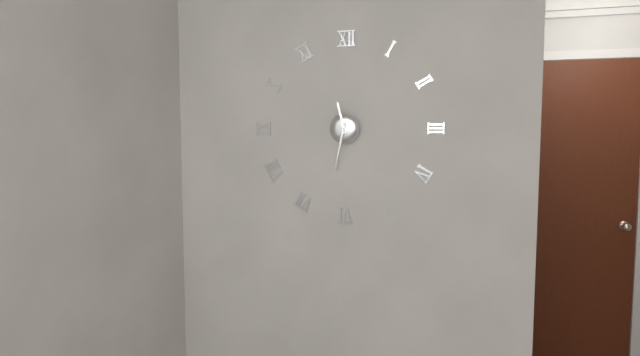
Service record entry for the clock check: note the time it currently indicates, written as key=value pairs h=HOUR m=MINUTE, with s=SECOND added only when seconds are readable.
h=11 m=32
